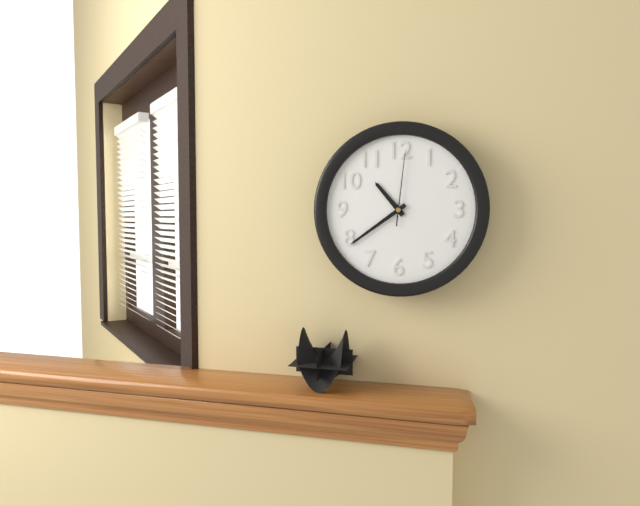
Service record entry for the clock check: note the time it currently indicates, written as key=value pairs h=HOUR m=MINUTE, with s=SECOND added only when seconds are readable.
h=10 m=39 s=1
